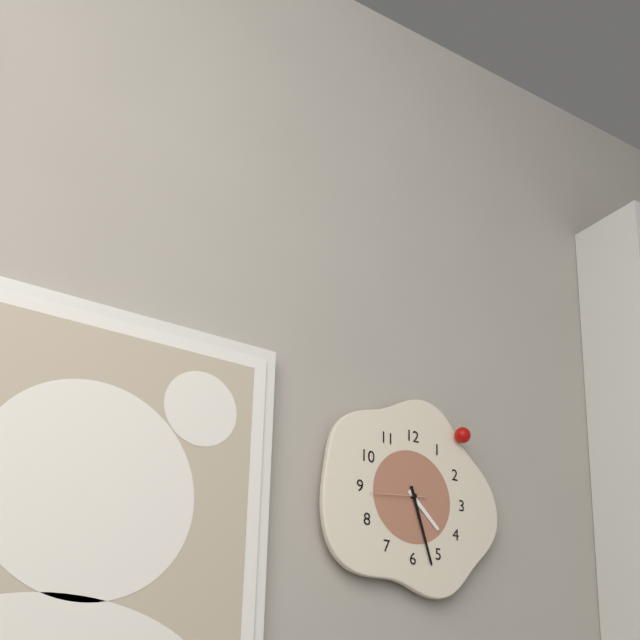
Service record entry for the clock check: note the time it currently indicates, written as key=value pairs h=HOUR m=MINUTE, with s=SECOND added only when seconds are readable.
h=4 m=27 s=44
